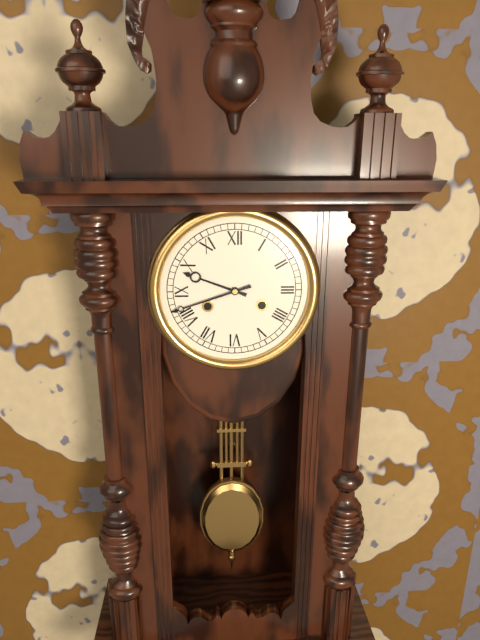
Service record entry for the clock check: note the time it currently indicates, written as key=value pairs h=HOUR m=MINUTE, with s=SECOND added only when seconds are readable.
h=9 m=42
